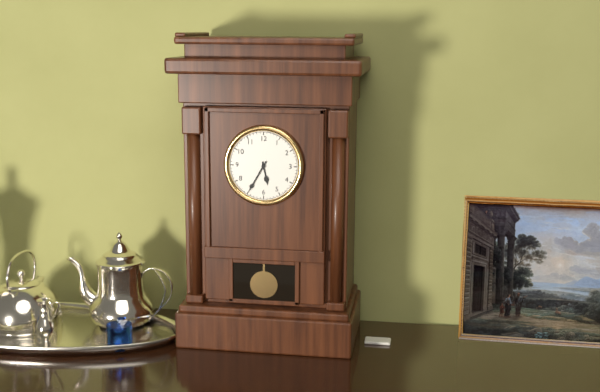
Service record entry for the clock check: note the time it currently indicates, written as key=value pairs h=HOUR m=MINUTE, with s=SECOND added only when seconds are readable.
h=5 m=35
